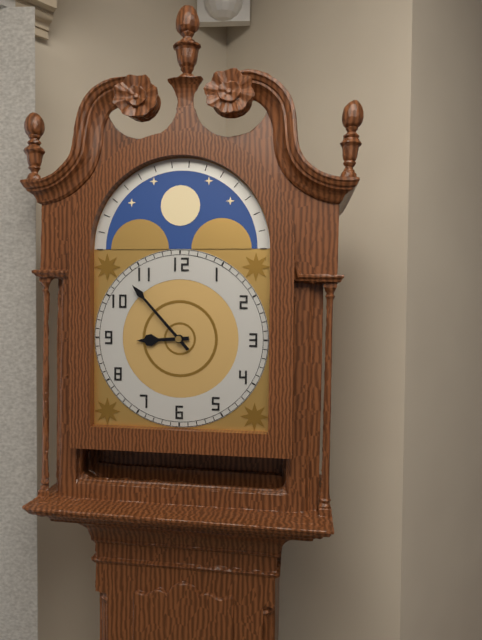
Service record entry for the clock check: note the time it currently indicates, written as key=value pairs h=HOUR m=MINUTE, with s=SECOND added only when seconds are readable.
h=8 m=53
